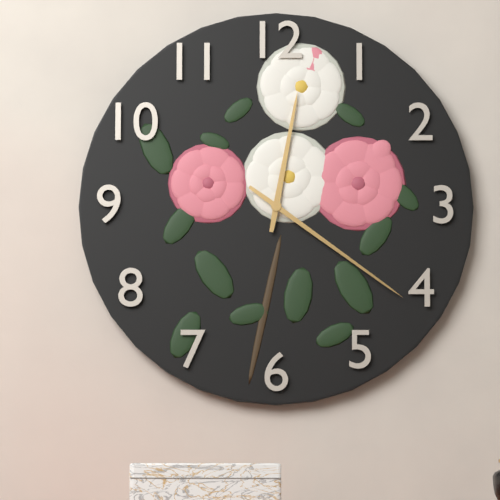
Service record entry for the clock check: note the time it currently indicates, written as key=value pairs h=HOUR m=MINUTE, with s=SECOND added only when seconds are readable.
h=12 m=21
